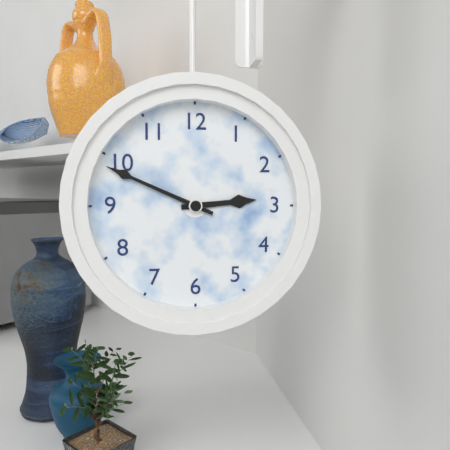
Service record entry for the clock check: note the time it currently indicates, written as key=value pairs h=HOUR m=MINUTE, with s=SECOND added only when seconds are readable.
h=2 m=49
